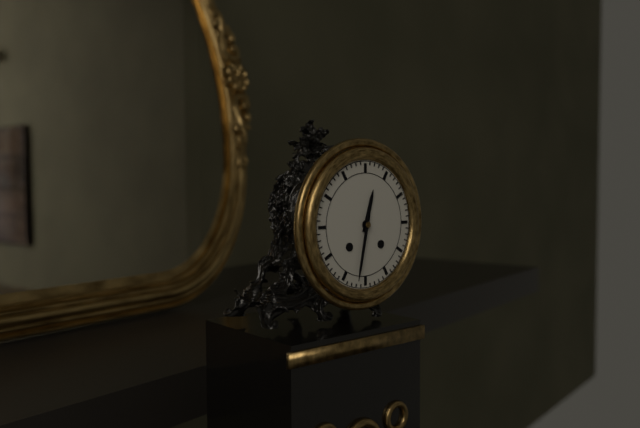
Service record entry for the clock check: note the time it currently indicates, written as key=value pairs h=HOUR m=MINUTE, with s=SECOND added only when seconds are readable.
h=12 m=32
